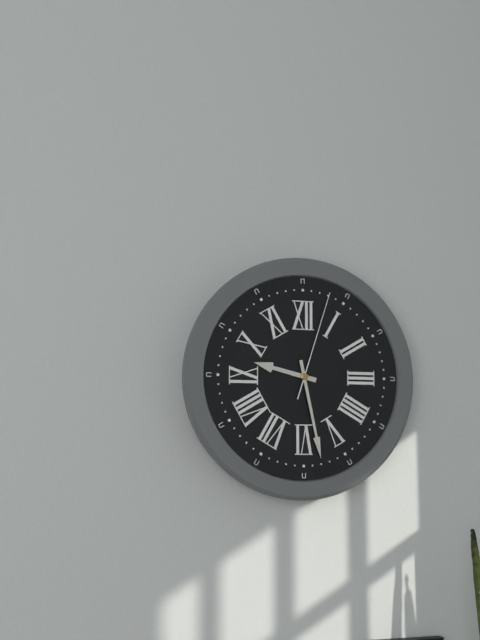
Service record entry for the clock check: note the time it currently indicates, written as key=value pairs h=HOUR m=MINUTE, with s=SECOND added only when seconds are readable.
h=9 m=28 s=3
